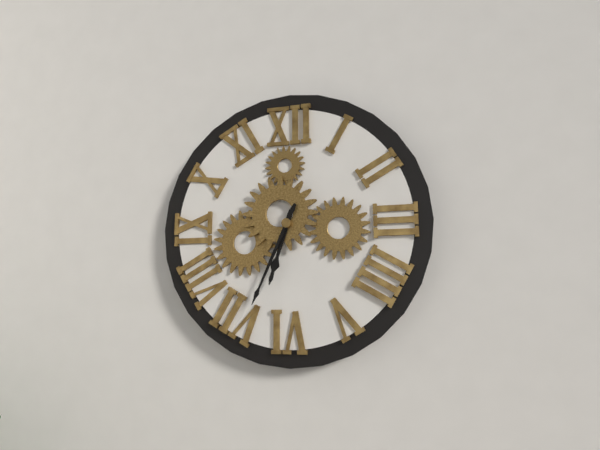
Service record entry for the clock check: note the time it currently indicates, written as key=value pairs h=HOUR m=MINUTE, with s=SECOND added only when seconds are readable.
h=6 m=34
